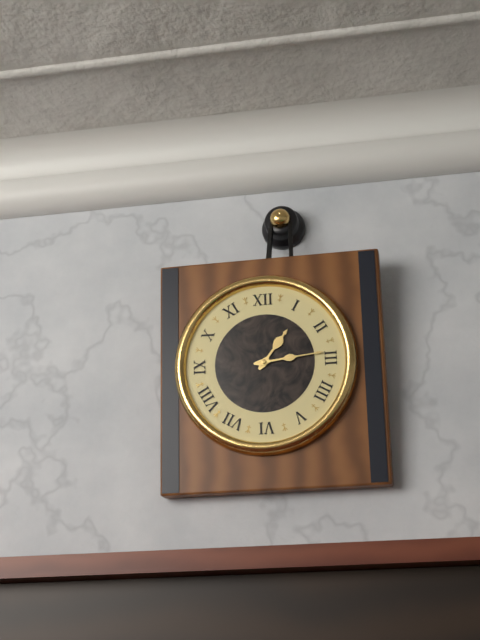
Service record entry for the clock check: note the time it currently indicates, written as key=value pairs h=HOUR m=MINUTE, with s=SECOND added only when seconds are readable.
h=1 m=14
